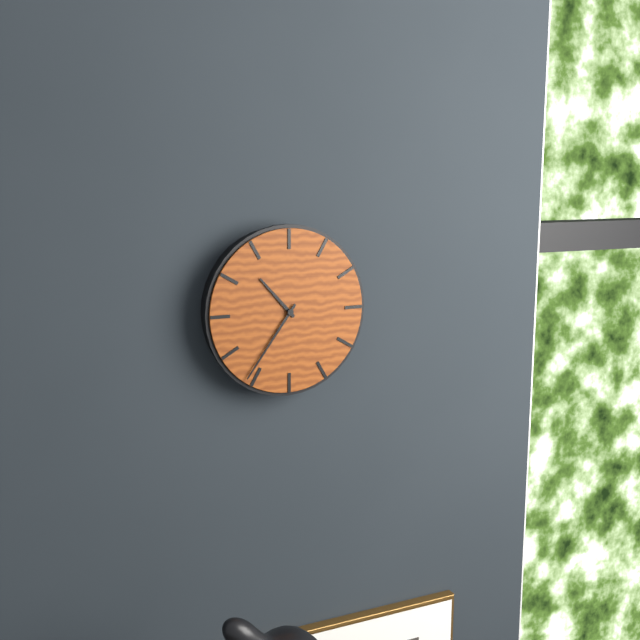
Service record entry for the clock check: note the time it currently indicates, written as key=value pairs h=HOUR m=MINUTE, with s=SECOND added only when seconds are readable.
h=10 m=36
